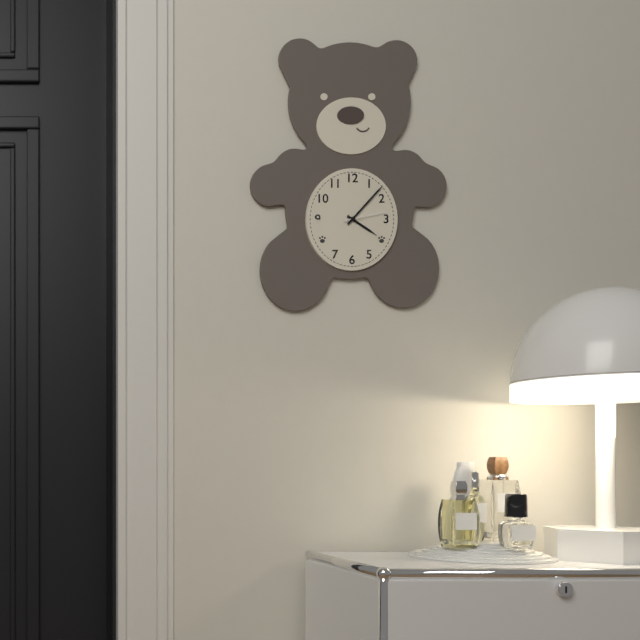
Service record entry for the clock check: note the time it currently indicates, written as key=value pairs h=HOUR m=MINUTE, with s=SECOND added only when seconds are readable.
h=4 m=7
